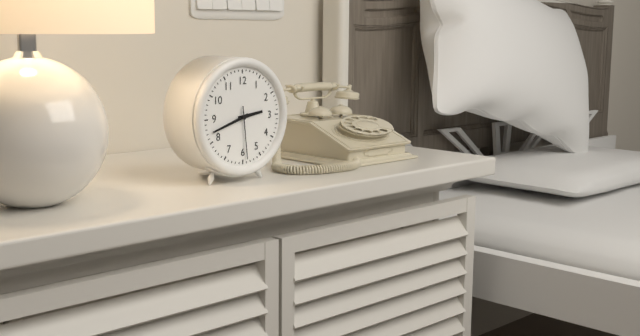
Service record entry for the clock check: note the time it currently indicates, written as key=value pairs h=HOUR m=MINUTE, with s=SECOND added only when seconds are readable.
h=2 m=42 s=29
